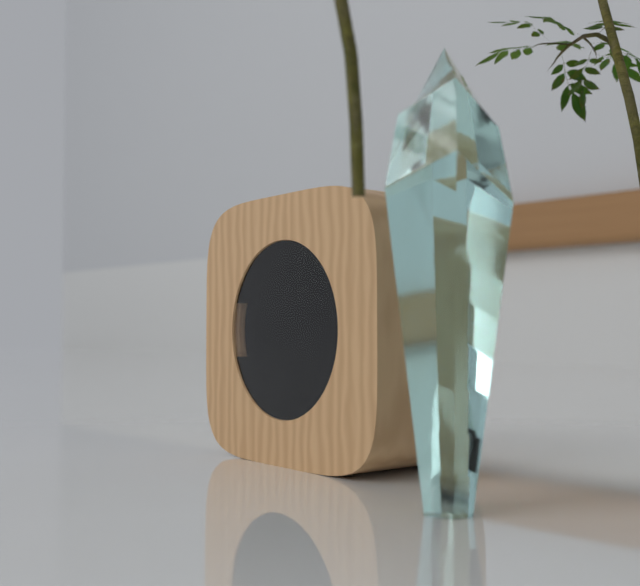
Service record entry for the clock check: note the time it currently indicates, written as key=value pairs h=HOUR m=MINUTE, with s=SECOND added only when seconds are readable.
h=11 m=39 s=27
